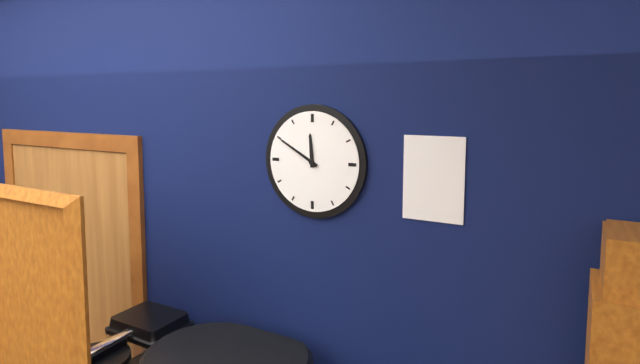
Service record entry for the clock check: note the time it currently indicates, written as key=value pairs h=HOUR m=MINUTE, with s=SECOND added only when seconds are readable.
h=11 m=50
